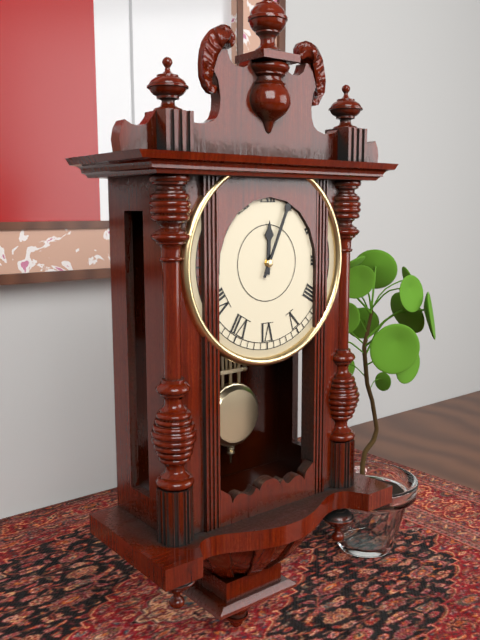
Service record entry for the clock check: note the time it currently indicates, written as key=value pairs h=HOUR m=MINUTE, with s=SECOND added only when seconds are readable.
h=12 m=4
